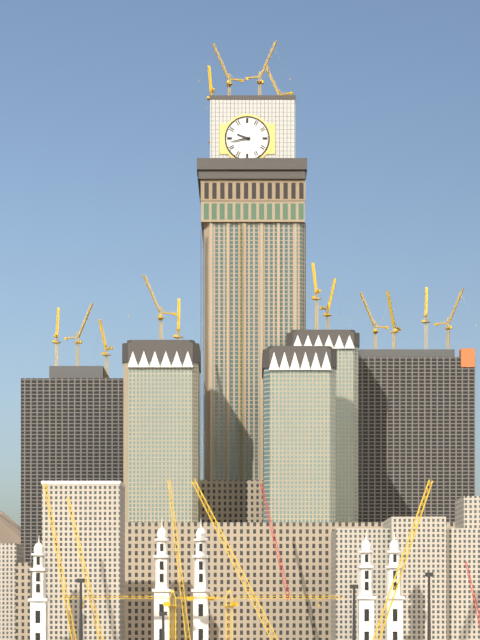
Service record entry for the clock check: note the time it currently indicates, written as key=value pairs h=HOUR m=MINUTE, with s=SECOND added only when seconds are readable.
h=9 m=43
